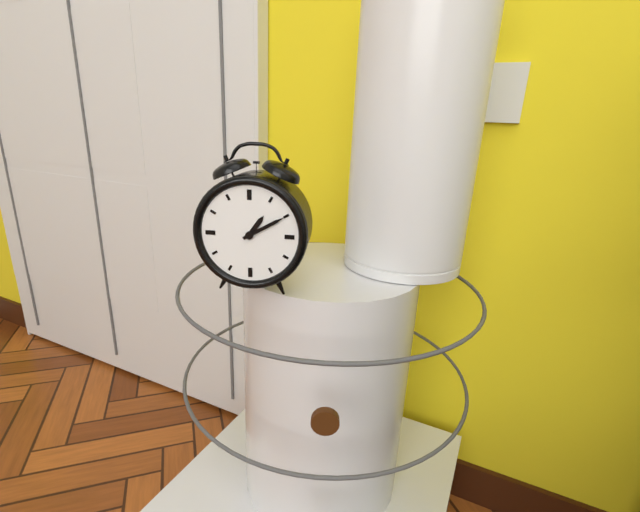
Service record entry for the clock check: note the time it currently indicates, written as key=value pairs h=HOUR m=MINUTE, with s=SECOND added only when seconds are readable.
h=1 m=10
